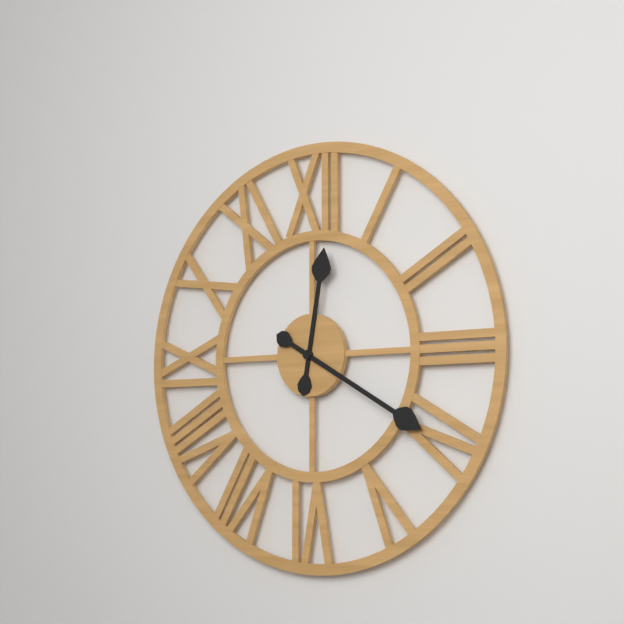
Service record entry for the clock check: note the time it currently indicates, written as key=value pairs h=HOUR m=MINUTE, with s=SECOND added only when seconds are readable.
h=12 m=20
